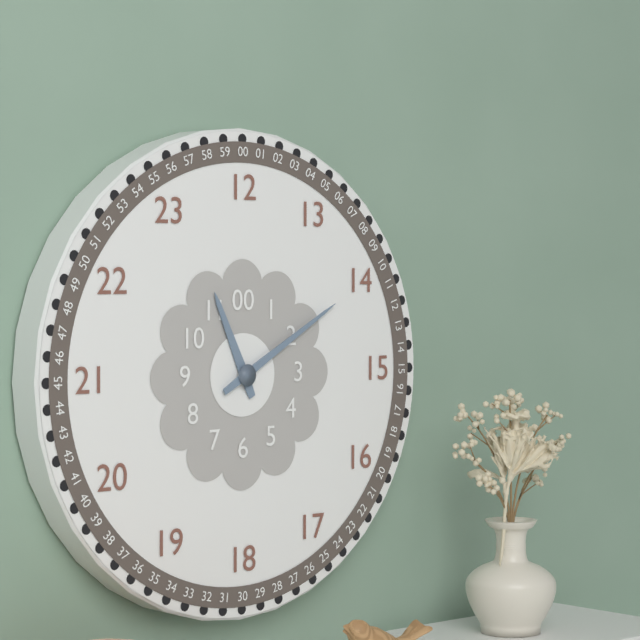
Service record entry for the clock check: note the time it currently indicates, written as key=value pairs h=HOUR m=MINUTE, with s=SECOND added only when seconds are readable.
h=11 m=10
